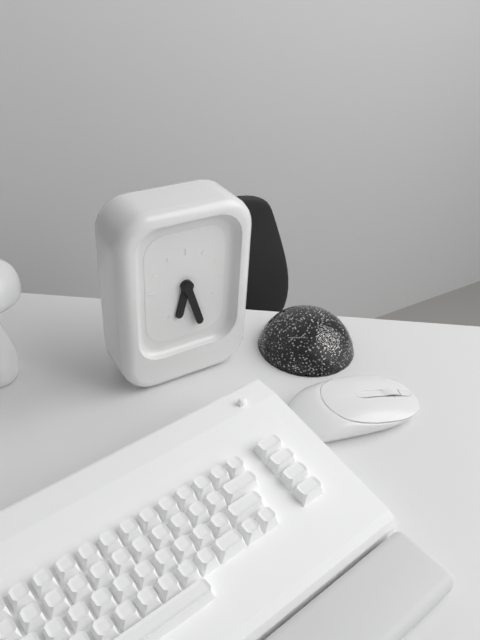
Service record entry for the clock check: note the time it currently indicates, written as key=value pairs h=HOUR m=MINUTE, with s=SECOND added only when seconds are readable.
h=6 m=27
